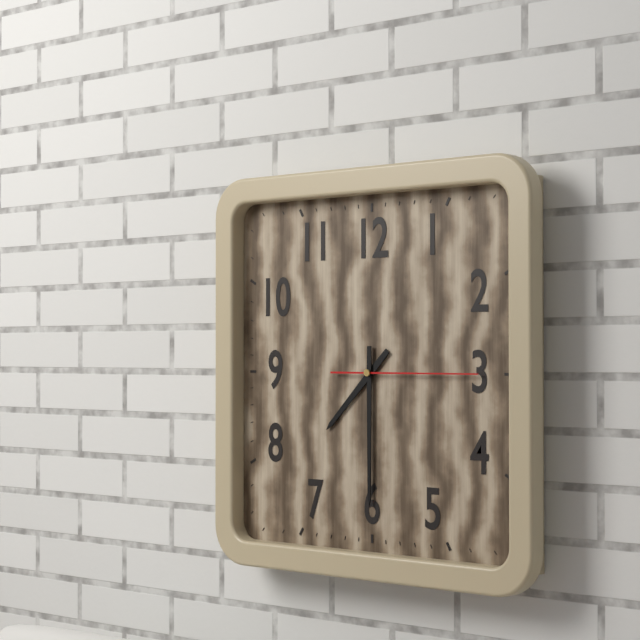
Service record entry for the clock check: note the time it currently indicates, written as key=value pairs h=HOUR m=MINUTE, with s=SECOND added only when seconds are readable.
h=7 m=30 s=15
